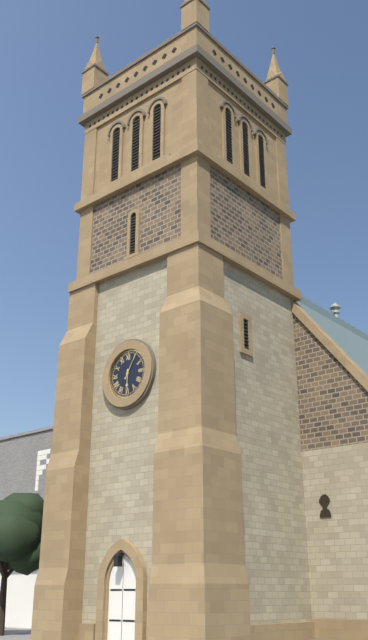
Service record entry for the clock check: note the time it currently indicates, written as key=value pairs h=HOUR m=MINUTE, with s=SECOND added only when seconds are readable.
h=6 m=5
